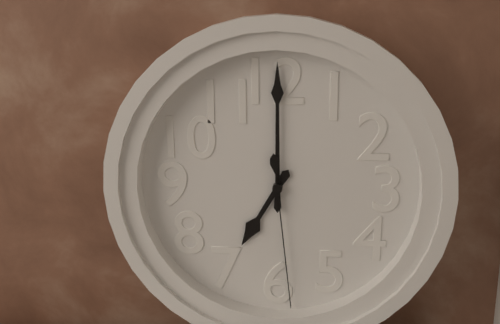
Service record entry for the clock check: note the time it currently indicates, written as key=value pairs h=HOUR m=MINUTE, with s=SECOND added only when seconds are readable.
h=7 m=0 s=29
